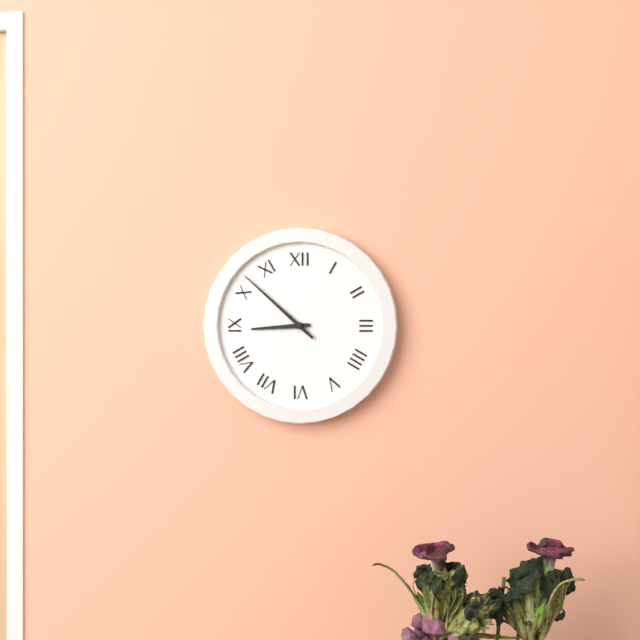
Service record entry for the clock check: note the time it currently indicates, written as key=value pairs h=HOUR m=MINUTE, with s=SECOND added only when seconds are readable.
h=8 m=52
